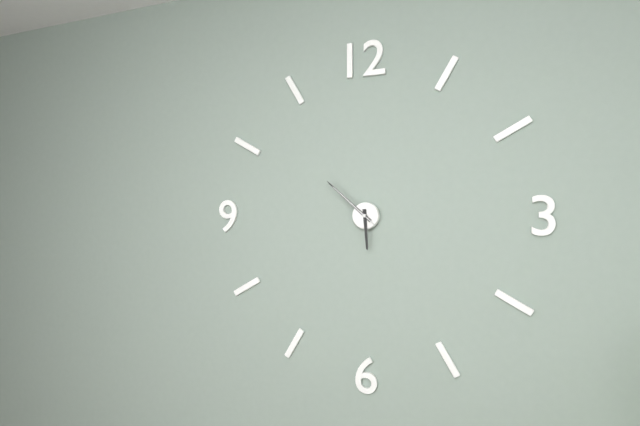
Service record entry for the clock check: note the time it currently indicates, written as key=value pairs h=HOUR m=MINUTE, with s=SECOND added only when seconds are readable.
h=5 m=52 s=52
